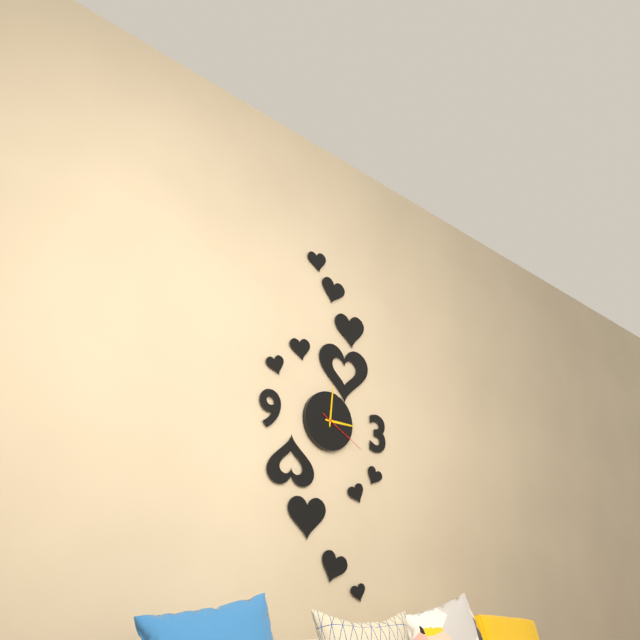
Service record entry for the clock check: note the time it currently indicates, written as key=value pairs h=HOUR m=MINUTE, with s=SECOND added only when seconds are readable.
h=3 m=1 s=20
